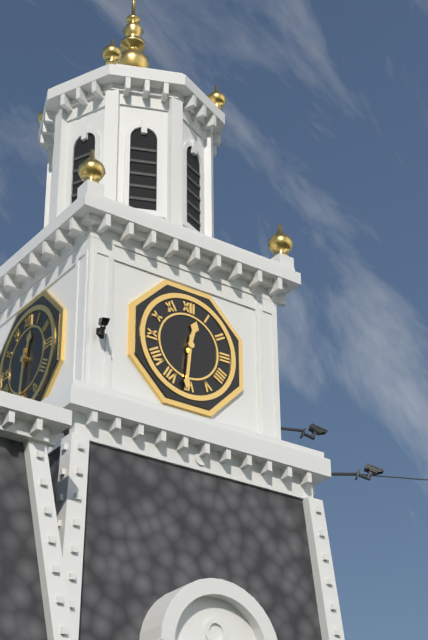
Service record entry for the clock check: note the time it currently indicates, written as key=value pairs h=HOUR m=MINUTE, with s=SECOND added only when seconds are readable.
h=12 m=31
